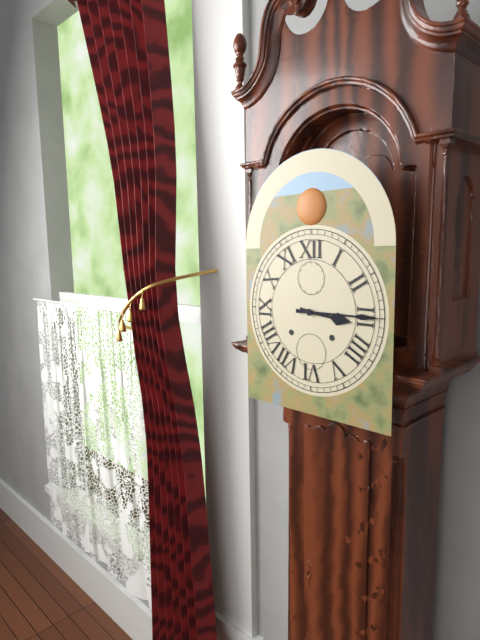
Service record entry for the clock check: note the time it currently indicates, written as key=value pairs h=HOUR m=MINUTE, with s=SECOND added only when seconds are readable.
h=3 m=15
